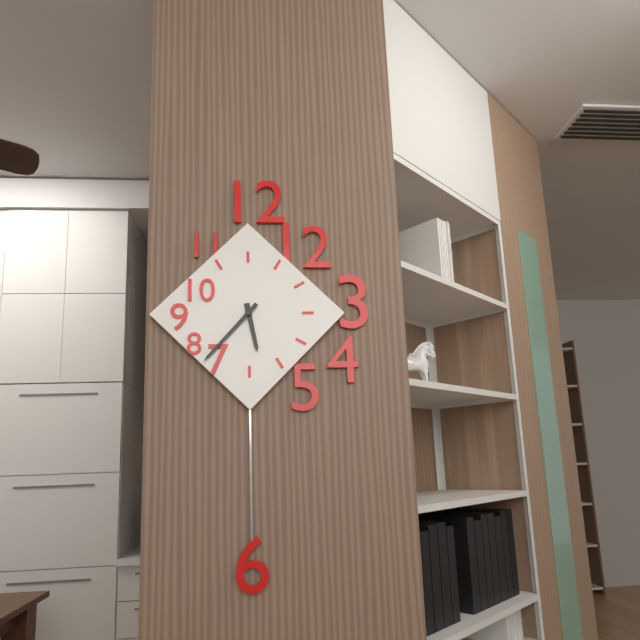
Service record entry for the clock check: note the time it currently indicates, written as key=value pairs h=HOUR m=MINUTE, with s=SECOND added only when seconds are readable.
h=5 m=37
